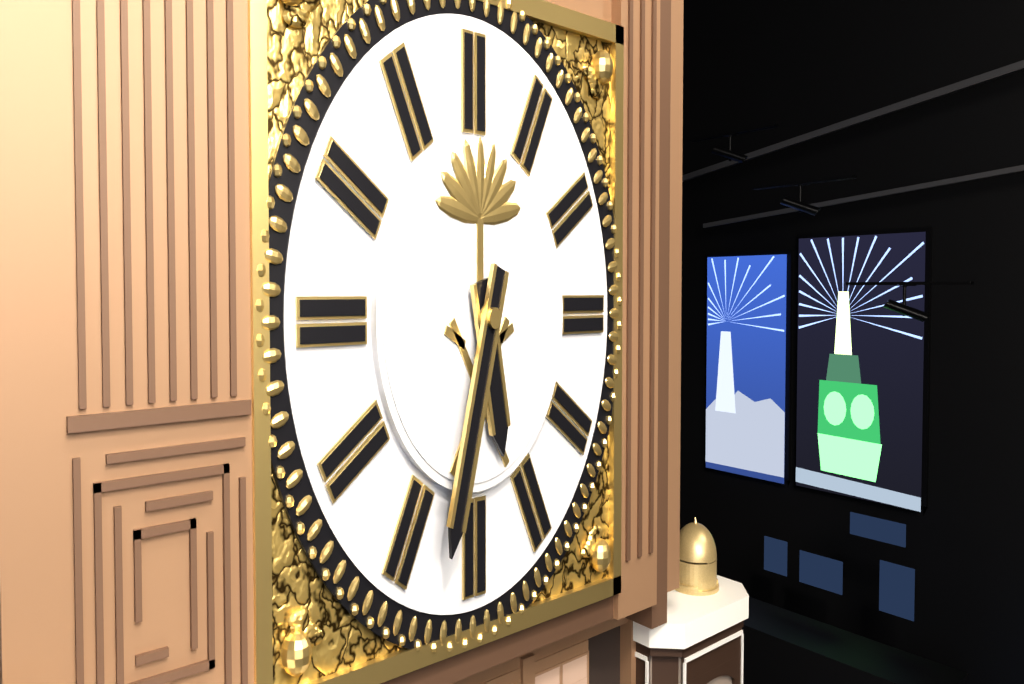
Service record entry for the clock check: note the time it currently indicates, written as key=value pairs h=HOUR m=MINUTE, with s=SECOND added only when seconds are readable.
h=5 m=33
